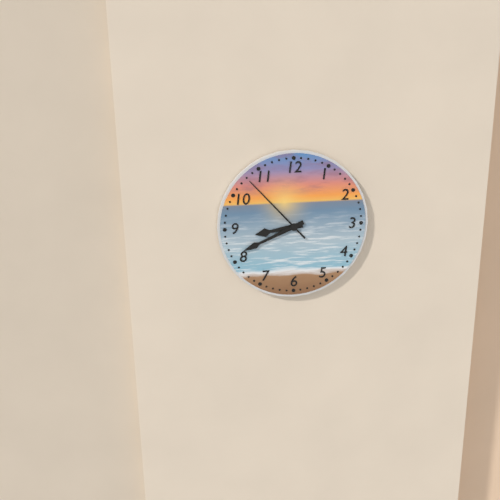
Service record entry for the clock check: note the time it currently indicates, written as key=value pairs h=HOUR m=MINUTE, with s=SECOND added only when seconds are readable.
h=8 m=41 s=53
